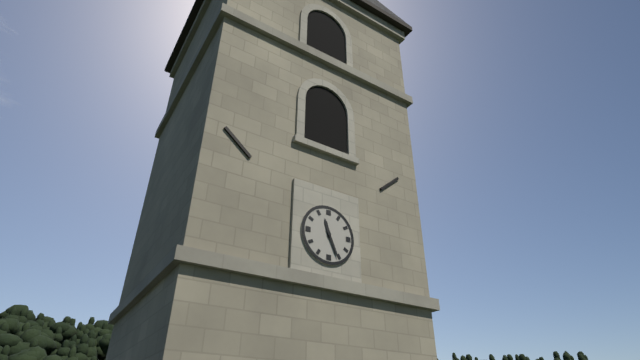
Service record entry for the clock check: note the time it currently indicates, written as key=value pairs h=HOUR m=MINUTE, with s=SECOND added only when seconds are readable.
h=11 m=26
